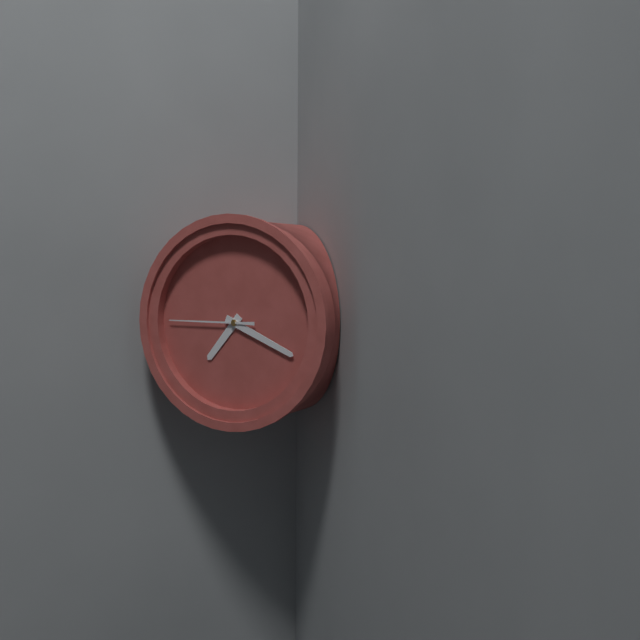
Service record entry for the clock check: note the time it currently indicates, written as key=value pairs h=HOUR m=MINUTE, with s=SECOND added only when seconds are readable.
h=7 m=19 s=45
